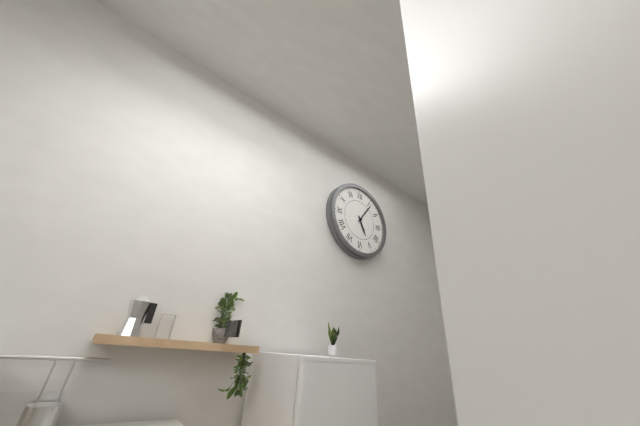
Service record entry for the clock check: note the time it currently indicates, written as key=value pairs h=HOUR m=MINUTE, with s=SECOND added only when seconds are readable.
h=5 m=6
